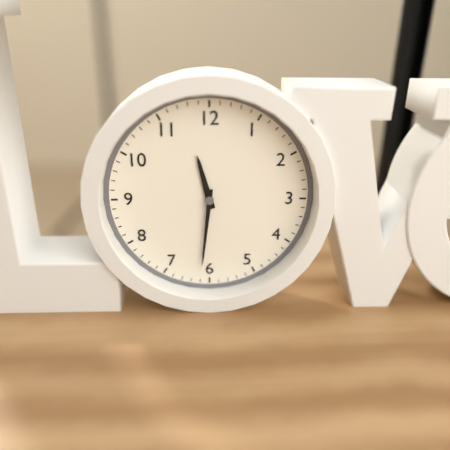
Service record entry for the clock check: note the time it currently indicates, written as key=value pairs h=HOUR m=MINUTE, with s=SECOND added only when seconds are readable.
h=11 m=31
